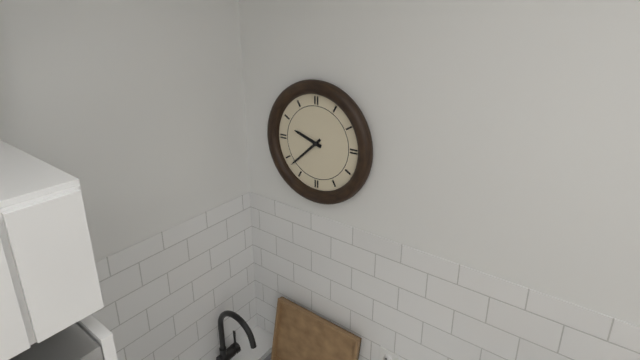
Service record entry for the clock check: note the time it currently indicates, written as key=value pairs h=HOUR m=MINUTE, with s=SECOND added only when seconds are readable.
h=9 m=38
